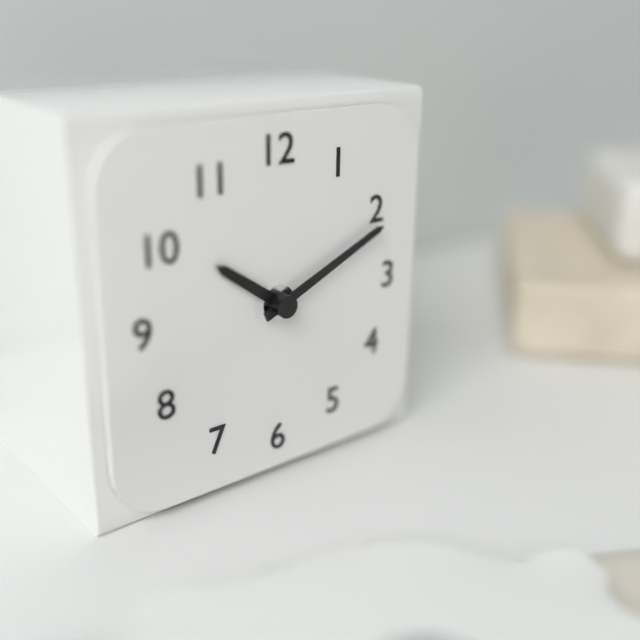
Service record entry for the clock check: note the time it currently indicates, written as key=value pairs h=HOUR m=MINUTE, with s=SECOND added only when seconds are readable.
h=10 m=11
